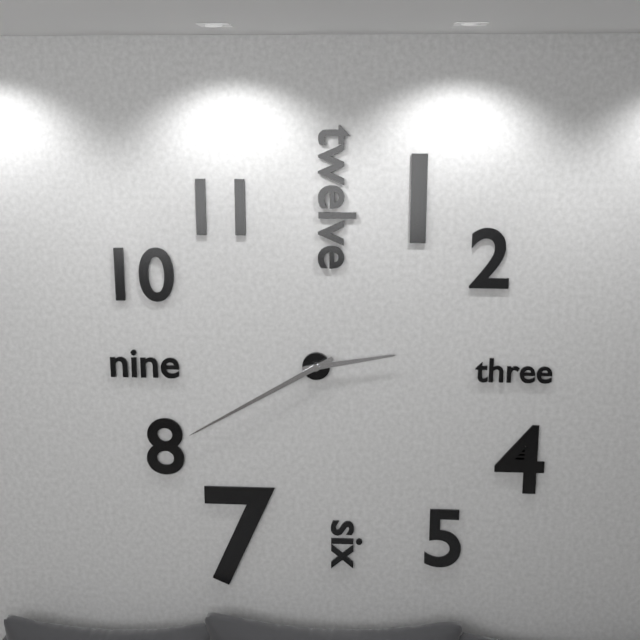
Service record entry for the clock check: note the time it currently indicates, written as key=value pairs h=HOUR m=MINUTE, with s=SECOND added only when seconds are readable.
h=2 m=40
